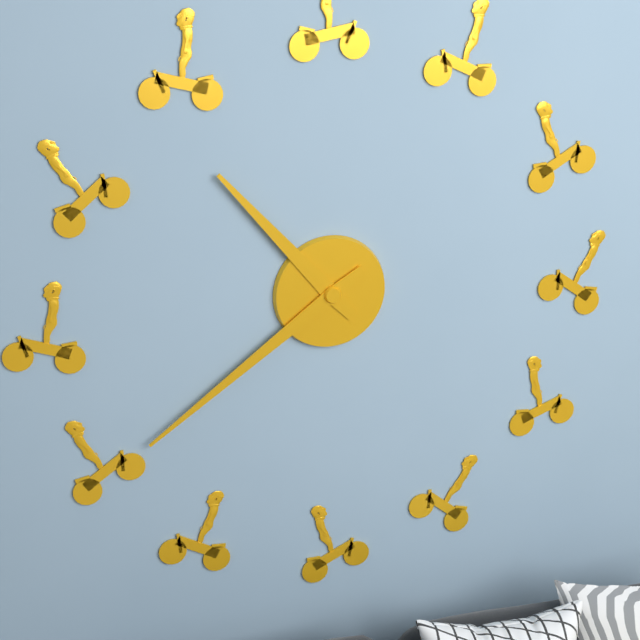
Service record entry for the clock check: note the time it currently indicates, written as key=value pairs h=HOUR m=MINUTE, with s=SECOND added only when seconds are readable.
h=10 m=39
